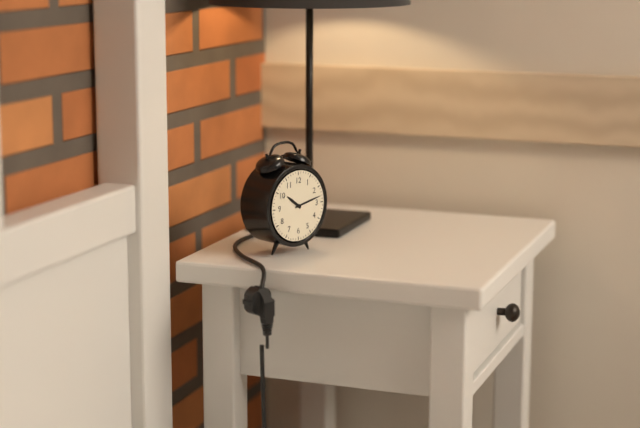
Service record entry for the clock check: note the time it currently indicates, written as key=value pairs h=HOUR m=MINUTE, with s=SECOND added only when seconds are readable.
h=10 m=13
